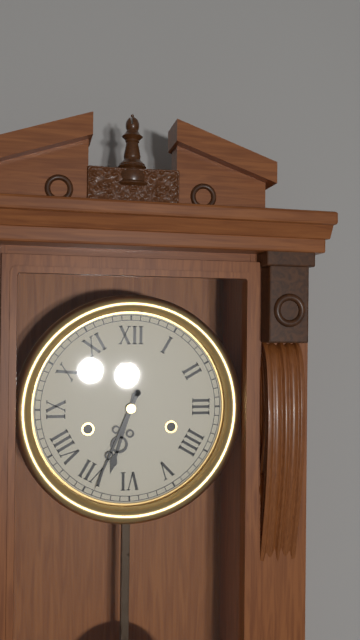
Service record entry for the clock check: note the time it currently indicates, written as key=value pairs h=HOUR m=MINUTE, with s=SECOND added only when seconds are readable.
h=6 m=34
